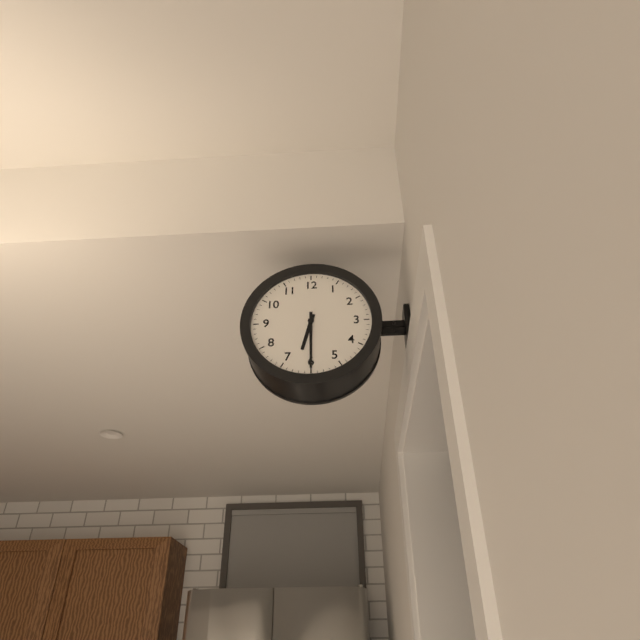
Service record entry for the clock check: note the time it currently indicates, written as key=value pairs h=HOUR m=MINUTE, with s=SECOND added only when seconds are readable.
h=6 m=30
